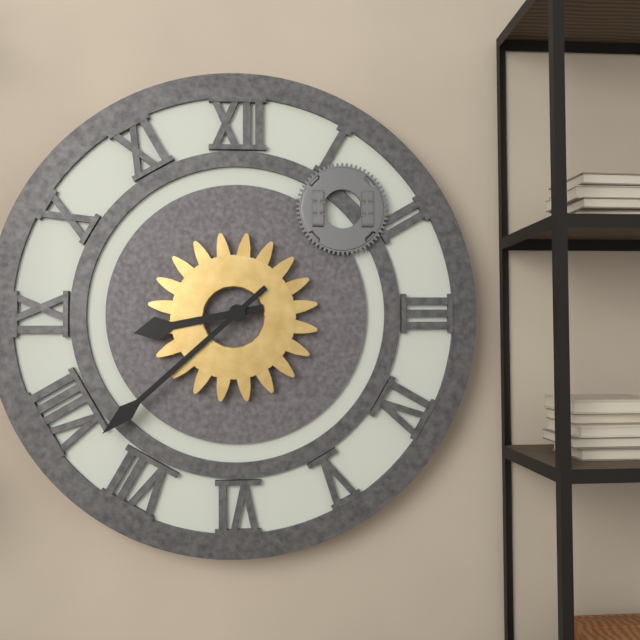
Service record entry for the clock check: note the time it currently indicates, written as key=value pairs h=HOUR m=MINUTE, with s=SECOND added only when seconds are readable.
h=8 m=38
